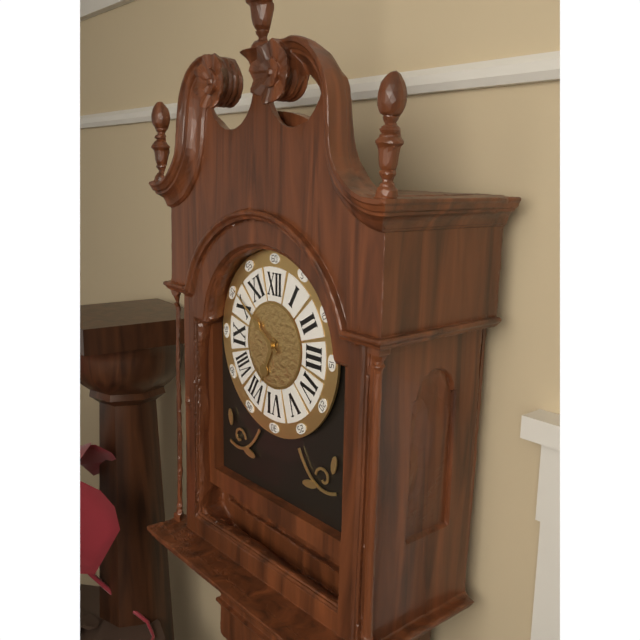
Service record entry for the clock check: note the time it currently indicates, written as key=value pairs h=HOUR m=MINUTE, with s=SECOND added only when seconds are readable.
h=6 m=51
